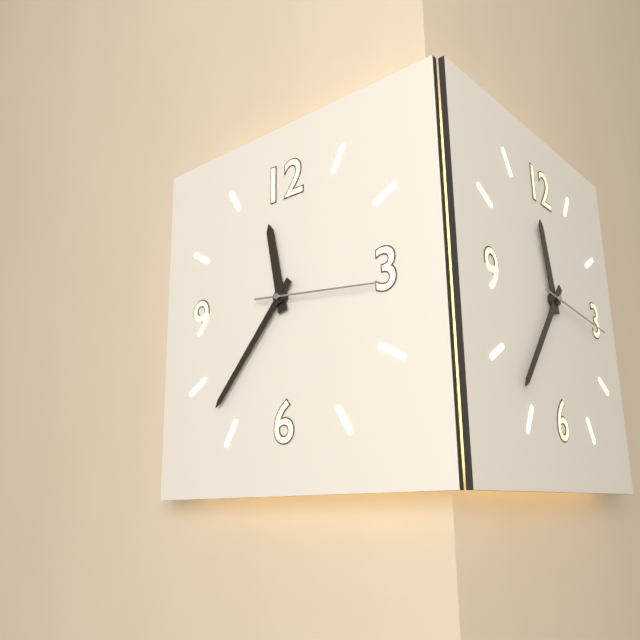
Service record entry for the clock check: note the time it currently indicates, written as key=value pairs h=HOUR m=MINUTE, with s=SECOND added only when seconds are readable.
h=11 m=37 s=16
